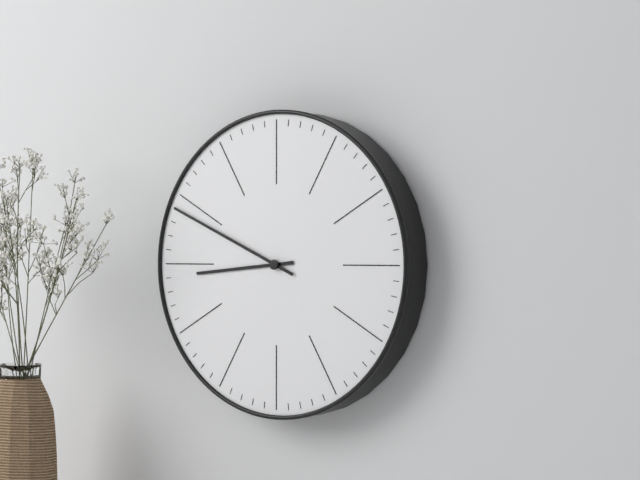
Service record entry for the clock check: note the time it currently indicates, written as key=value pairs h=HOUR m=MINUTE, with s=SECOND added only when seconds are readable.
h=8 m=49
